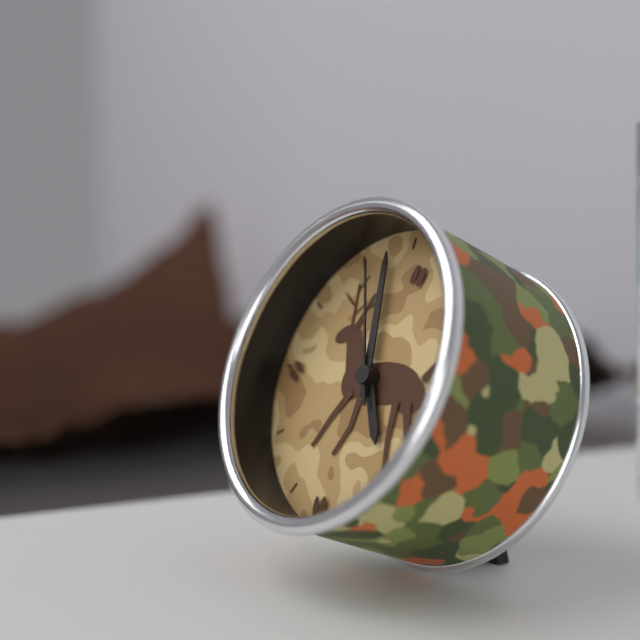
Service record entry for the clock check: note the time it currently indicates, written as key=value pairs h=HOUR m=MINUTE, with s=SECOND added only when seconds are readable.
h=4 m=58 s=56
